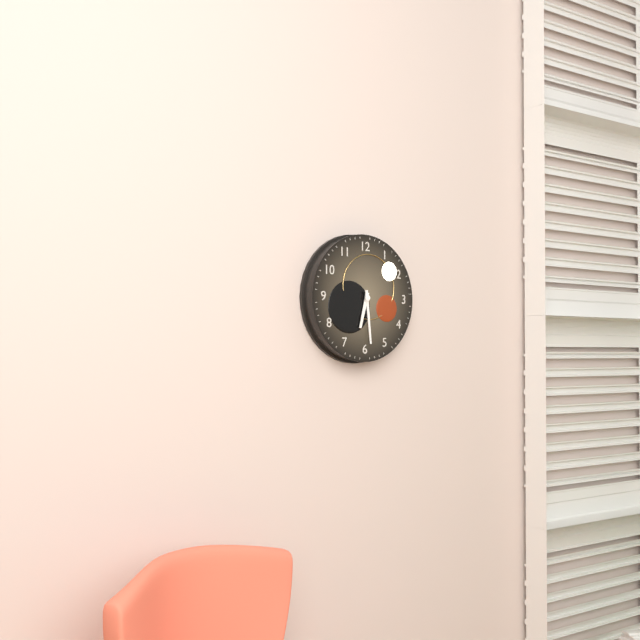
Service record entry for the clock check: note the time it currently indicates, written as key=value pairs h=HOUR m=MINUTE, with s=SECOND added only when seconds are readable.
h=6 m=29
